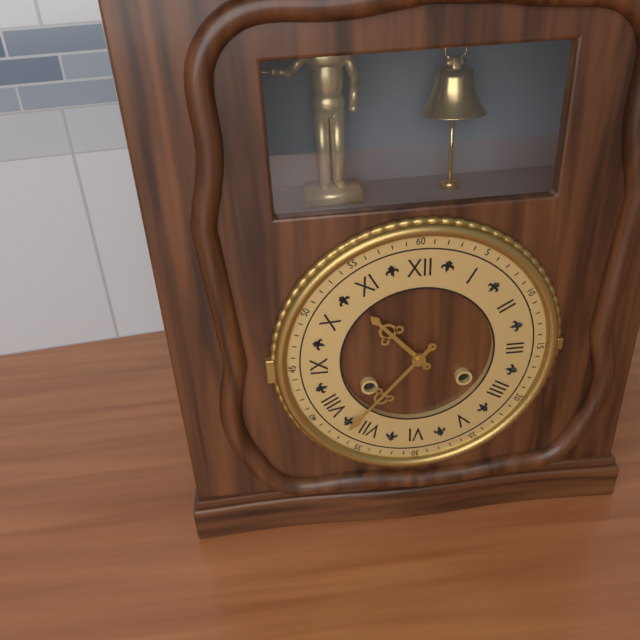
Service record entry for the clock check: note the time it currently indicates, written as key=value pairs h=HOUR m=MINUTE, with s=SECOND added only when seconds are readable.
h=10 m=37
